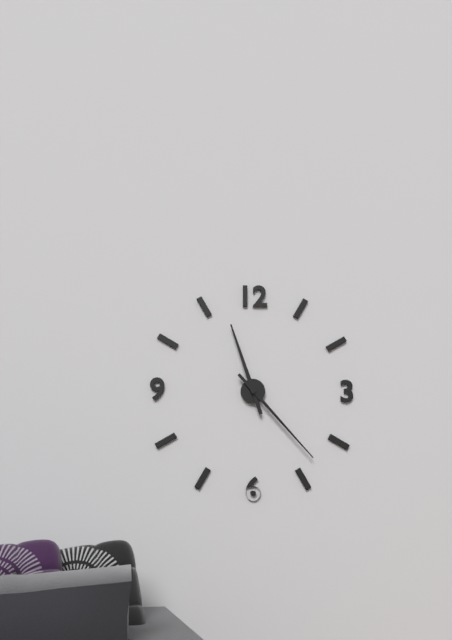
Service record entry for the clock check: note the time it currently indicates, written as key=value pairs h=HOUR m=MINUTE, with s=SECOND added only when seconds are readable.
h=11 m=23
